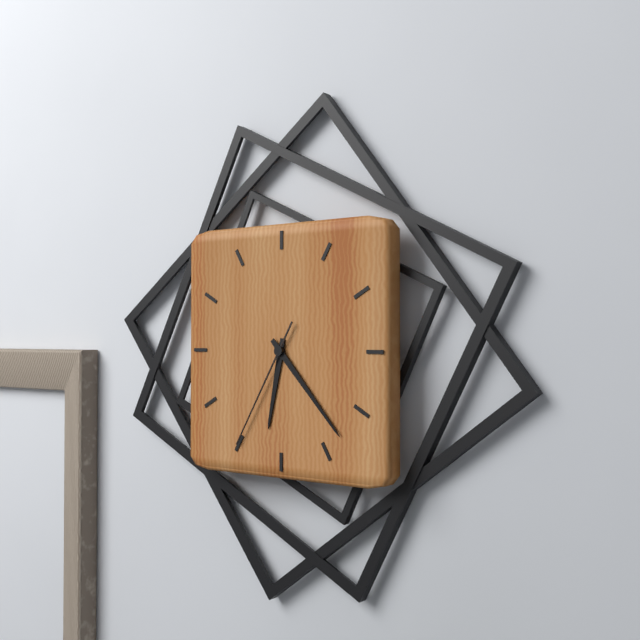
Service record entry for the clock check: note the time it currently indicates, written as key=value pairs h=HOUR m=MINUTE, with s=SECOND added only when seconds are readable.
h=6 m=23 s=35
